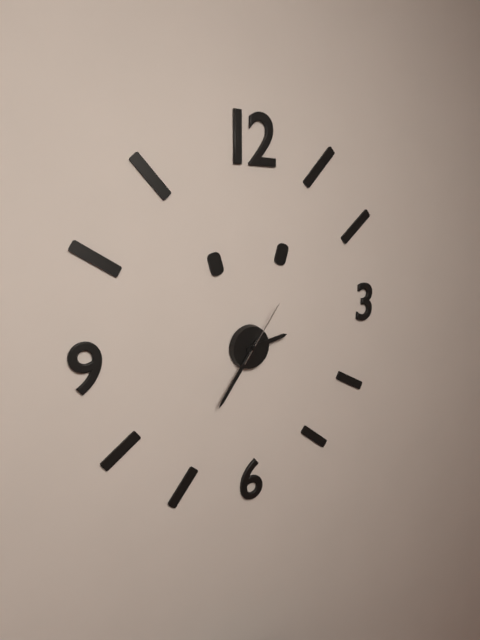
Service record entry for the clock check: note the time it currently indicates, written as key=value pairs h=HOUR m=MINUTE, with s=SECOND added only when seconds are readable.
h=2 m=36 s=6
